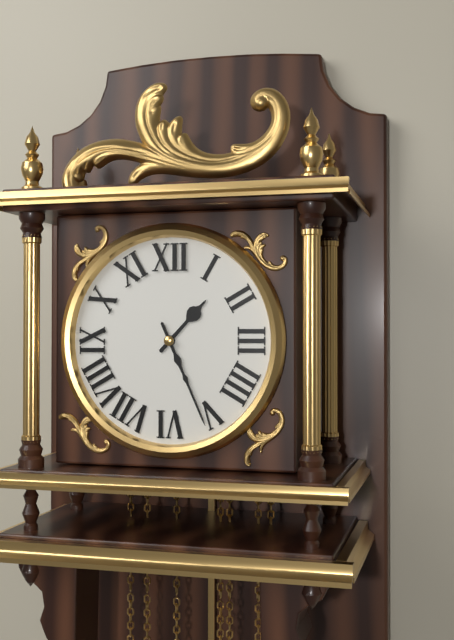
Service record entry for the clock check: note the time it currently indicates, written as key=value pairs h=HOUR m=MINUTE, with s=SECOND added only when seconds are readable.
h=1 m=26
